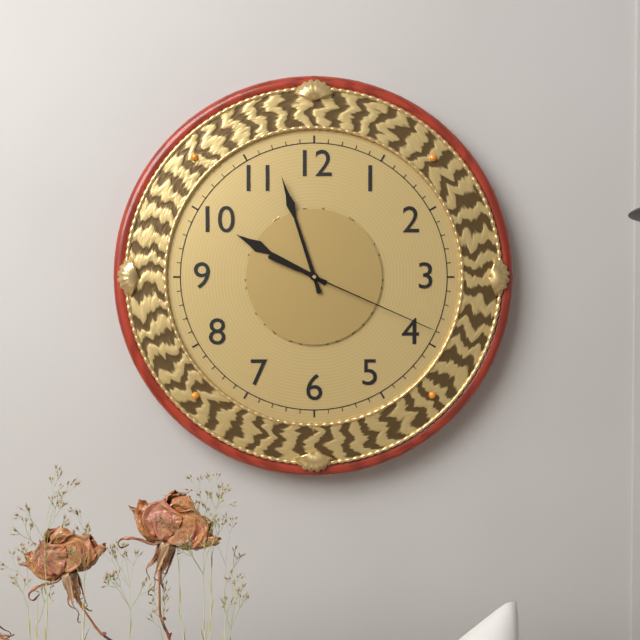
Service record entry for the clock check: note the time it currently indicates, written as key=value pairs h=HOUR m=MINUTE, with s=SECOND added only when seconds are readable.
h=9 m=57 s=19
